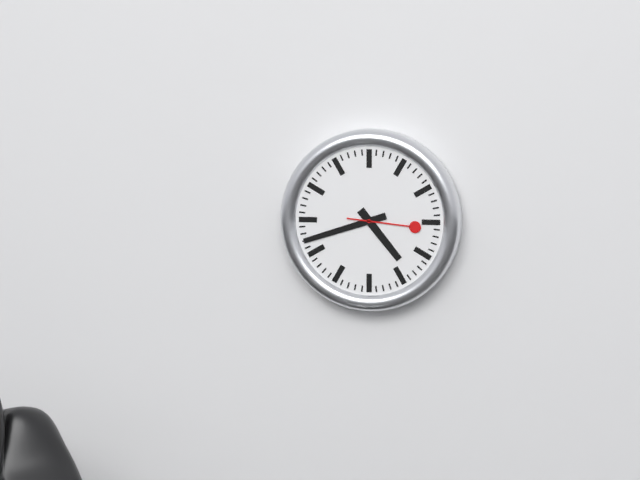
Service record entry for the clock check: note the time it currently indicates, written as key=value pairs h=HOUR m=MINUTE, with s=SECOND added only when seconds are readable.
h=4 m=42 s=16
